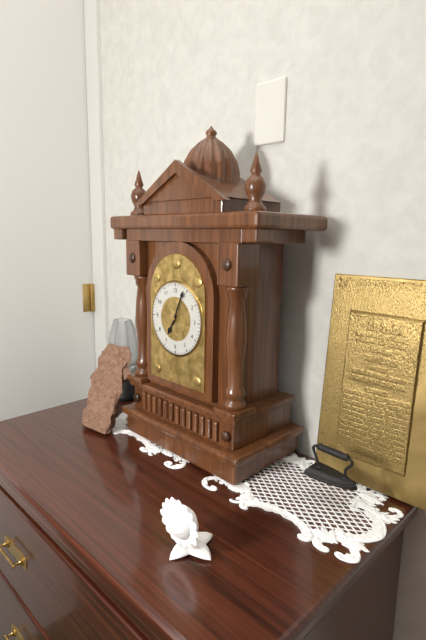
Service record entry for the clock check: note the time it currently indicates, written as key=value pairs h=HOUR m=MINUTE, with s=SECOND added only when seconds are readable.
h=7 m=4
